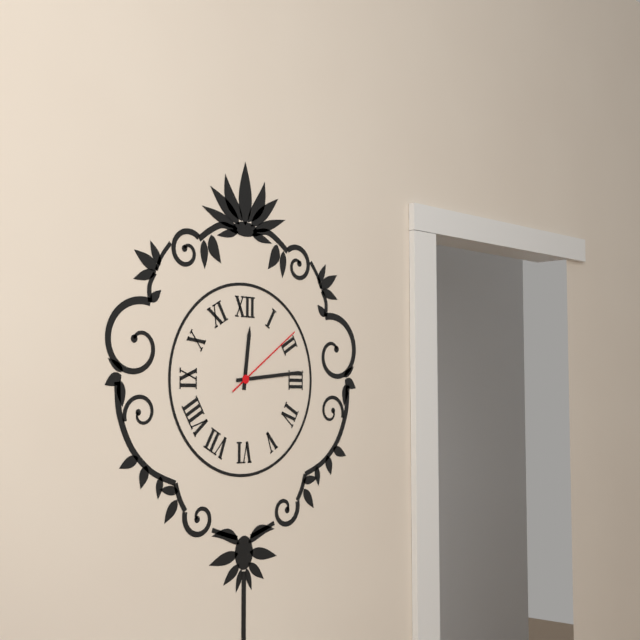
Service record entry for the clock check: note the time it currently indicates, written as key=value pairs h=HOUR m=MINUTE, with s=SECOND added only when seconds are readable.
h=12 m=14 s=9
